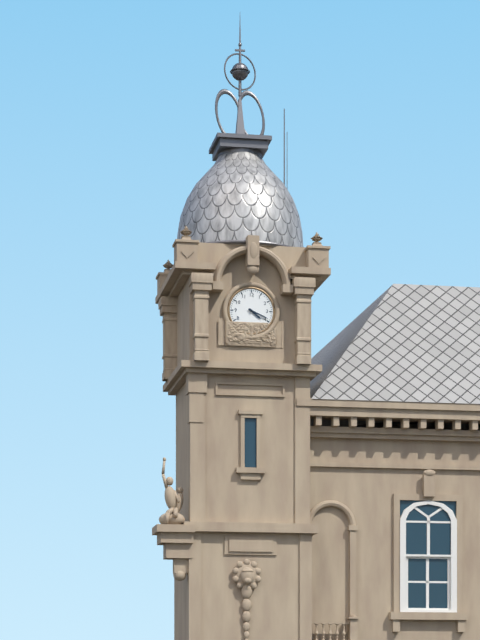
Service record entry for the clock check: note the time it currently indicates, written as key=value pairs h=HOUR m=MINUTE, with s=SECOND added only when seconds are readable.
h=4 m=19
